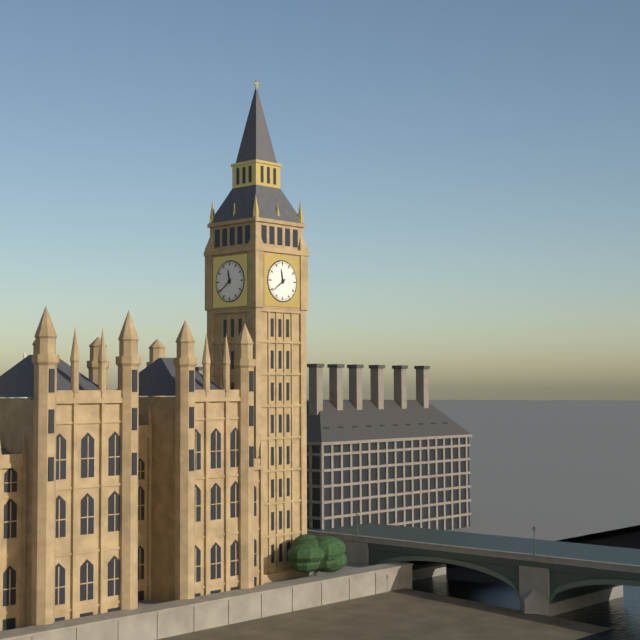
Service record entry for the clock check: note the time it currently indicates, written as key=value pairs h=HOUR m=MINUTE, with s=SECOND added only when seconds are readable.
h=11 m=39
